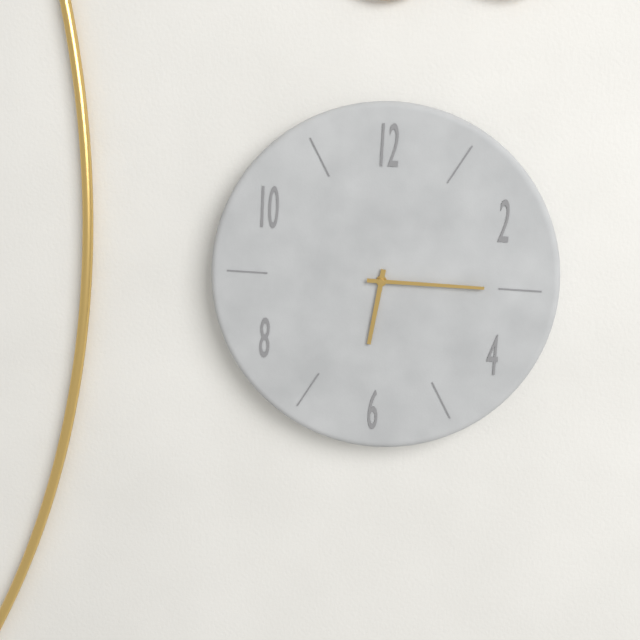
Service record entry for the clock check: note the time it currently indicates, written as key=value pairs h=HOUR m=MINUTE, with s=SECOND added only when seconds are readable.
h=6 m=15
